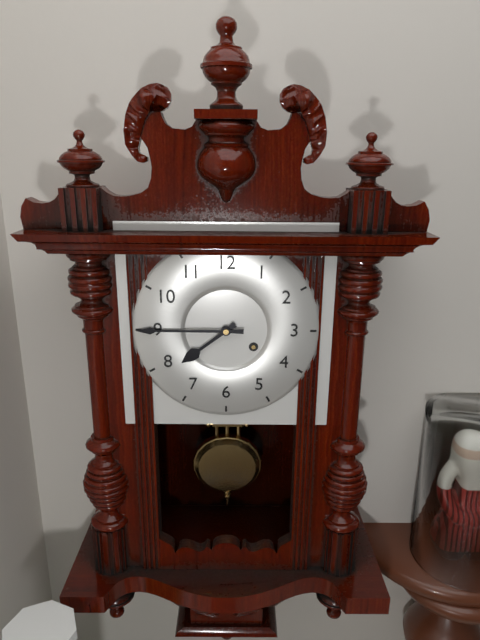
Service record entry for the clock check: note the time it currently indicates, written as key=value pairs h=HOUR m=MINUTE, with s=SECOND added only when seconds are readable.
h=7 m=45
